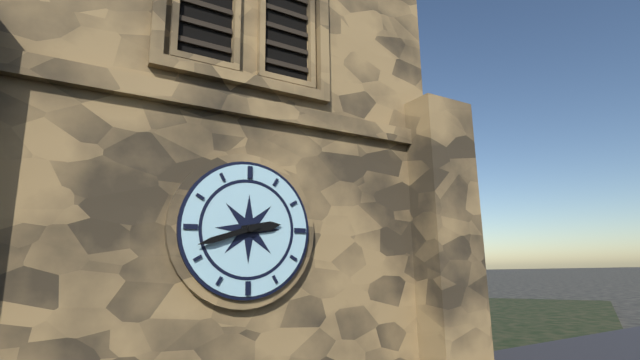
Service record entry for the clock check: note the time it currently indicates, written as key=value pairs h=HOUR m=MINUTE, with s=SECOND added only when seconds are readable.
h=2 m=42
